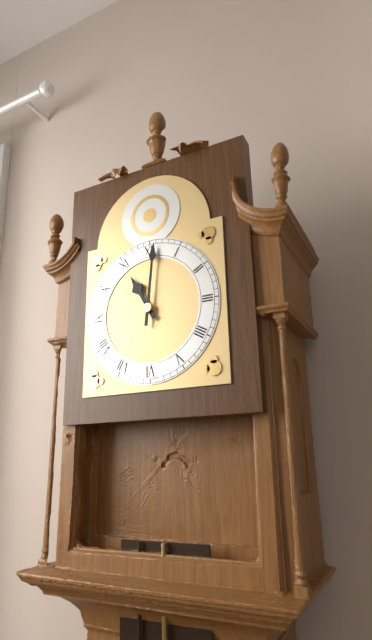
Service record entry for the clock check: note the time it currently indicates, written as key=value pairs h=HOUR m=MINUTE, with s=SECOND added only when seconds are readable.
h=11 m=1
